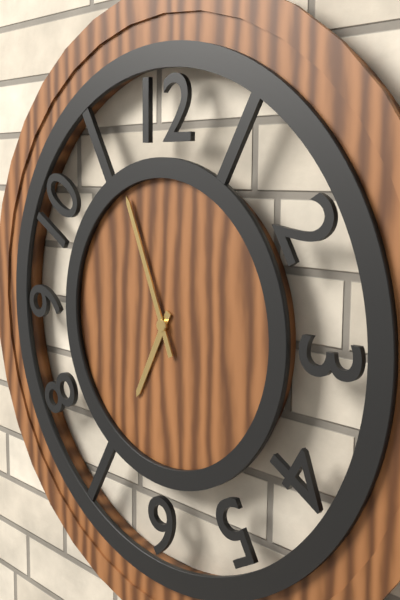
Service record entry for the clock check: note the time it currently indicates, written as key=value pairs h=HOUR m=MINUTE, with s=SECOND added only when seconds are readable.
h=6 m=56
